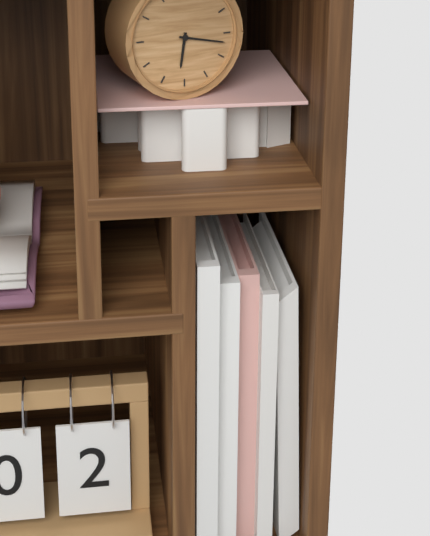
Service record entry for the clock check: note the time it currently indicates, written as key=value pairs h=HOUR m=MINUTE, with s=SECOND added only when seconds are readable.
h=6 m=17
